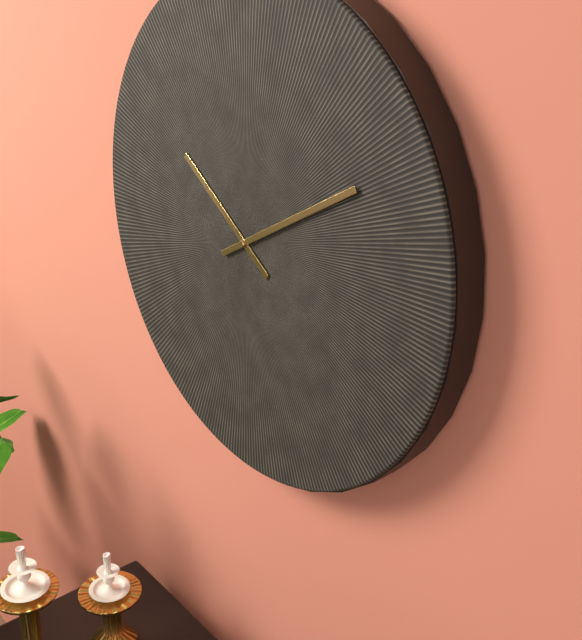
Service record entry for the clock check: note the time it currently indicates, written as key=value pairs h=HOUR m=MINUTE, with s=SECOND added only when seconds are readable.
h=10 m=10
